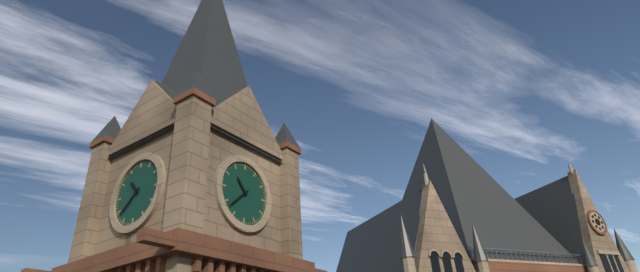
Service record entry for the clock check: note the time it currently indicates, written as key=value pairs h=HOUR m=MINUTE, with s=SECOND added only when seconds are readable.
h=10 m=38
